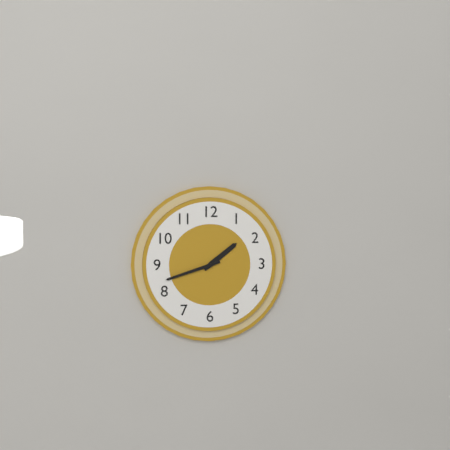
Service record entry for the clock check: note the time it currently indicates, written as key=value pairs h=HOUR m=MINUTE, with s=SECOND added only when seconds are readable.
h=1 m=42
